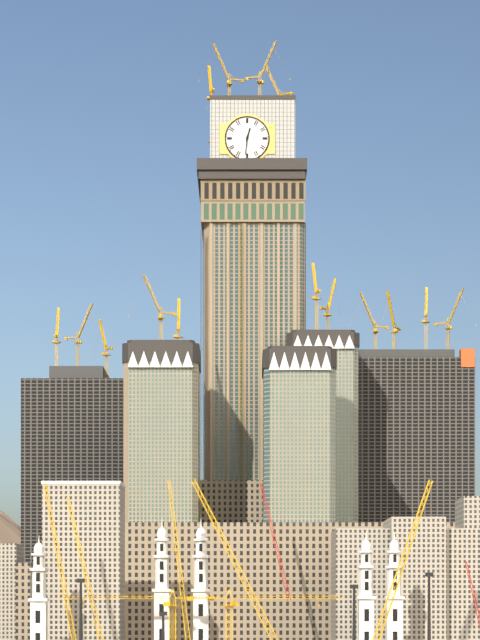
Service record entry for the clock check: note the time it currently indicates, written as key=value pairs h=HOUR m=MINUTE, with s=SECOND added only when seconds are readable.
h=12 m=31
